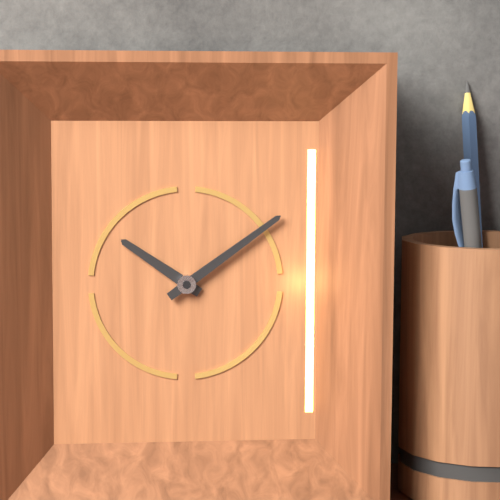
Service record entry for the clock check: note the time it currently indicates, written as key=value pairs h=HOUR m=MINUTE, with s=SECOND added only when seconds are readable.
h=10 m=9
